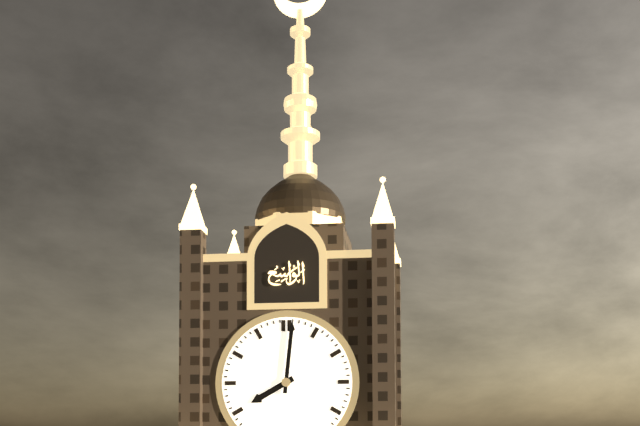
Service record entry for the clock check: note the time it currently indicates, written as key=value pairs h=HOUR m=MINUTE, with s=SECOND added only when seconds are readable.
h=8 m=1
